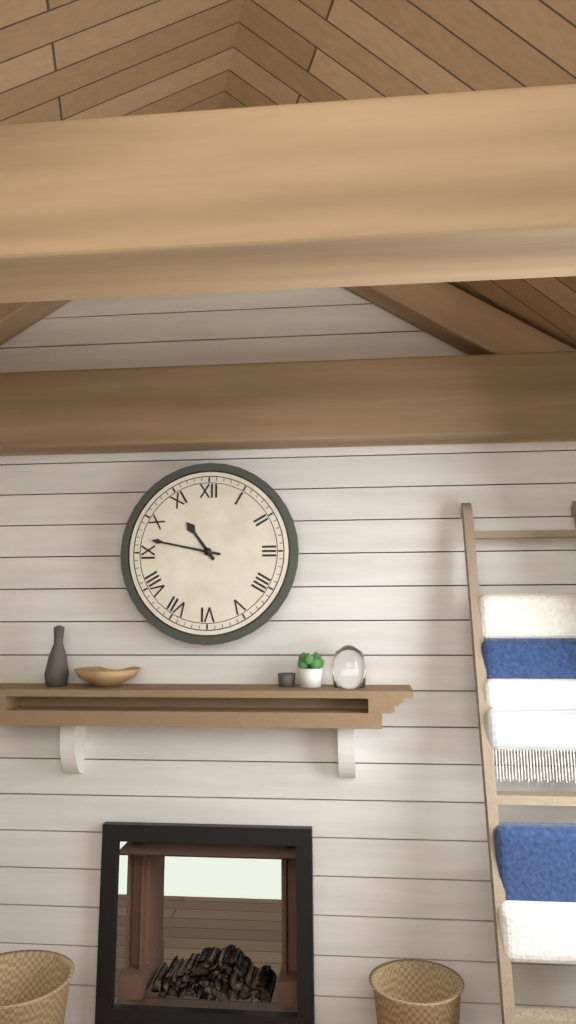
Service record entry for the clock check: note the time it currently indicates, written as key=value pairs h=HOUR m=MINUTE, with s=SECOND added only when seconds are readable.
h=10 m=47
